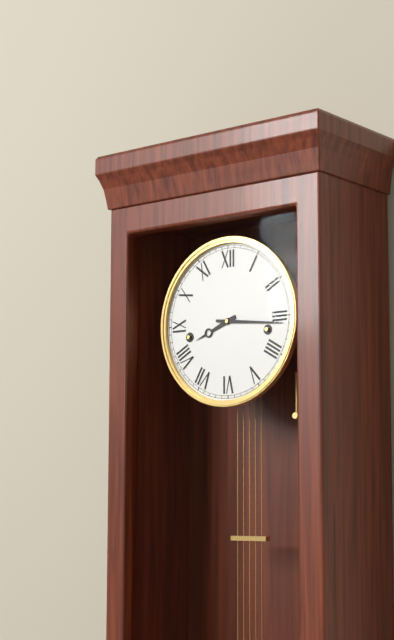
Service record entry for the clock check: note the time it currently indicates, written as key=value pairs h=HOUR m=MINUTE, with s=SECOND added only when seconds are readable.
h=8 m=16
